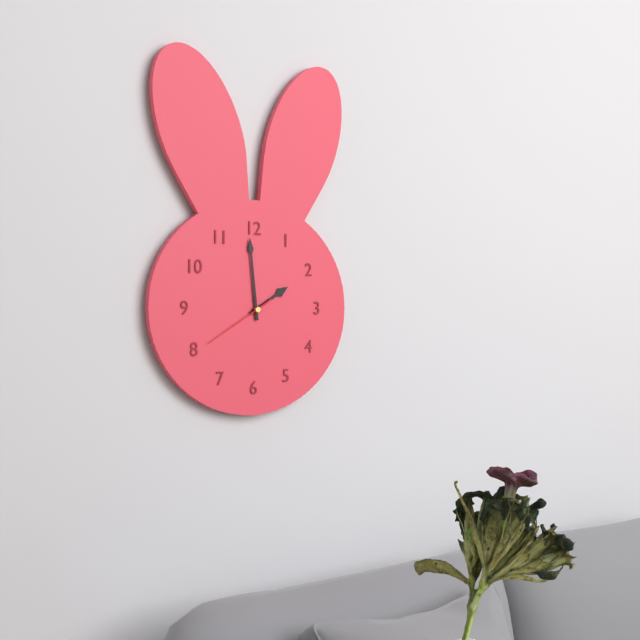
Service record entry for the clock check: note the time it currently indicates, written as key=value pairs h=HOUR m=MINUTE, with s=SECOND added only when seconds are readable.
h=1 m=59 s=40
